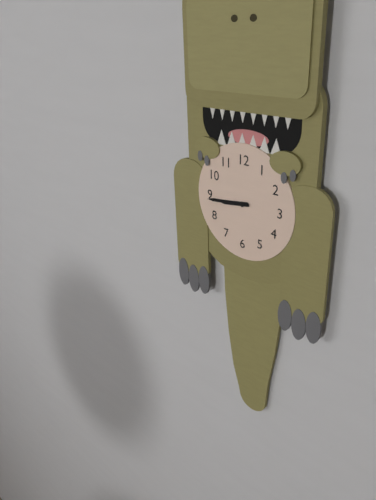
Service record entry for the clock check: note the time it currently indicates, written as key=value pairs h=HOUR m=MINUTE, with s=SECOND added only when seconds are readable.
h=8 m=44
